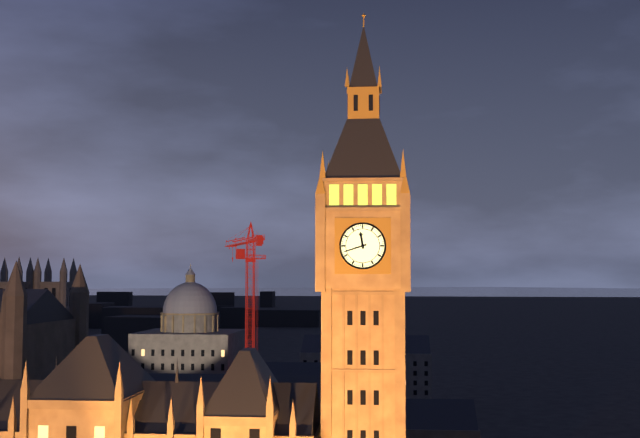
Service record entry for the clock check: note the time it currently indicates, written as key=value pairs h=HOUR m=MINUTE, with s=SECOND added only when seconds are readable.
h=11 m=42
